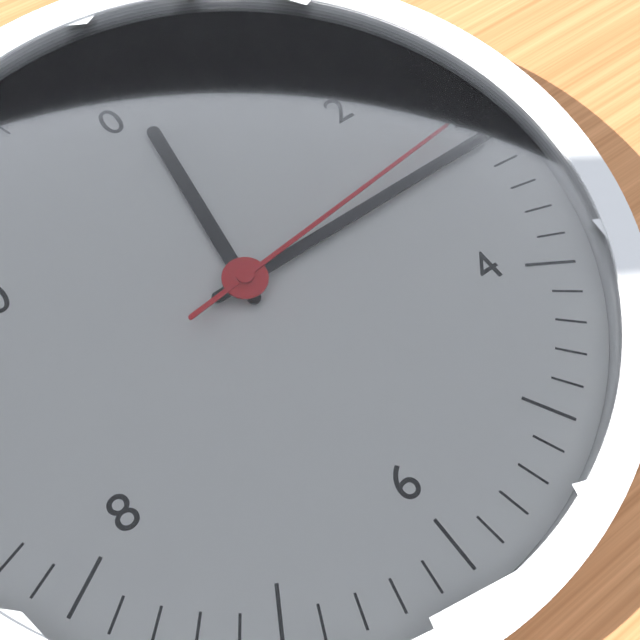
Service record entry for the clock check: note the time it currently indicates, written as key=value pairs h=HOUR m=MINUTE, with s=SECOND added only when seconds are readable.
h=12 m=15 s=14
